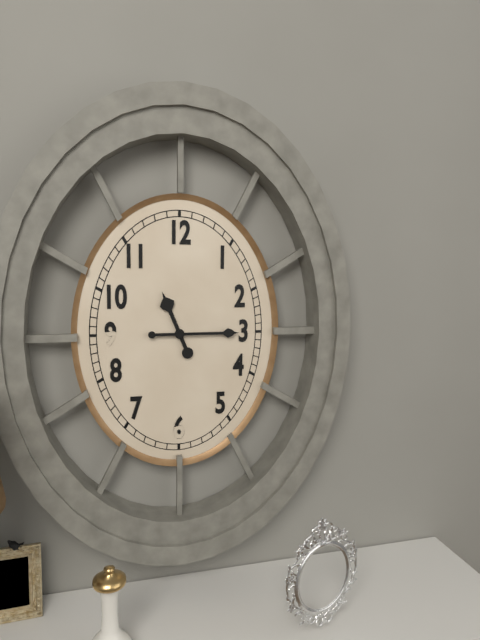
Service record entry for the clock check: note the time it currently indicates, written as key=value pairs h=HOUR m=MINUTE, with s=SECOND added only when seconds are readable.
h=11 m=15
